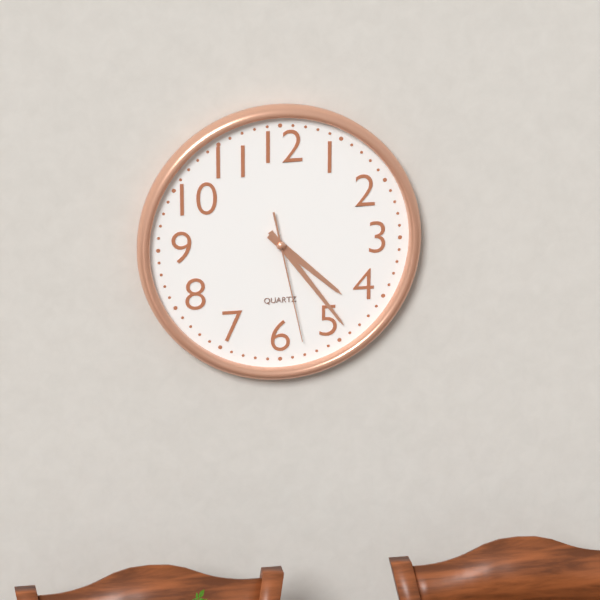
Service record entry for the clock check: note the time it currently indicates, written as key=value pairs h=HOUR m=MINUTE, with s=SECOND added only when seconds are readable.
h=4 m=24 s=28
